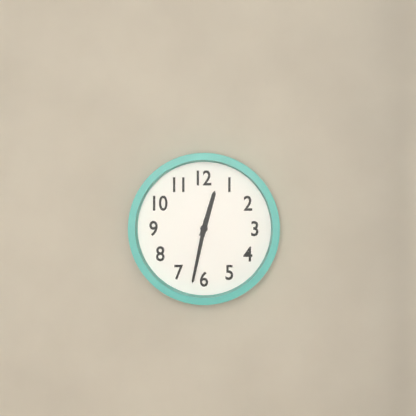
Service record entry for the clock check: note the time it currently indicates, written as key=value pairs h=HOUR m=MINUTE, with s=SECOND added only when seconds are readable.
h=12 m=32
